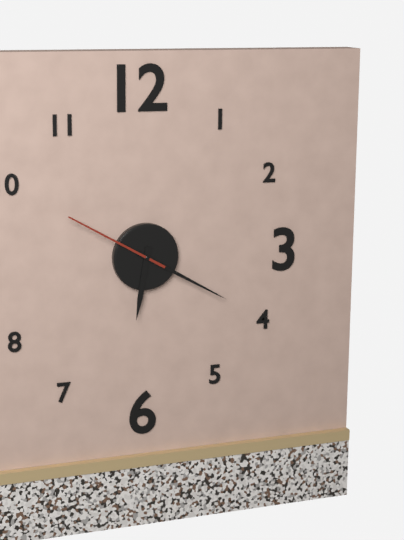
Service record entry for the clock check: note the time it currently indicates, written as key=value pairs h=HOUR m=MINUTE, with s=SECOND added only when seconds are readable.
h=6 m=20 s=50
